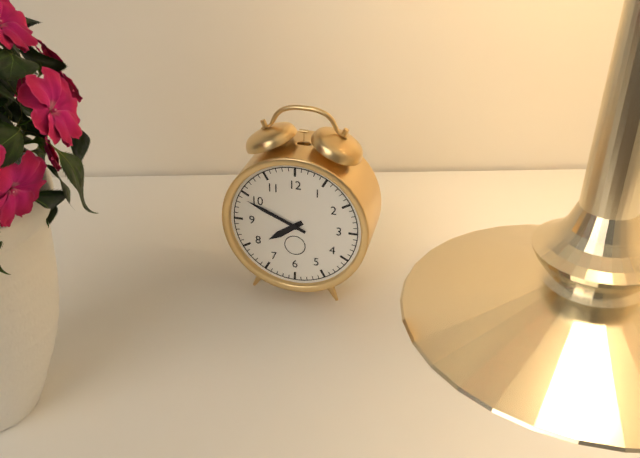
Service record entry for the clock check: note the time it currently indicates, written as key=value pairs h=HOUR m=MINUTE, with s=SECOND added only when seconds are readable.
h=7 m=49
